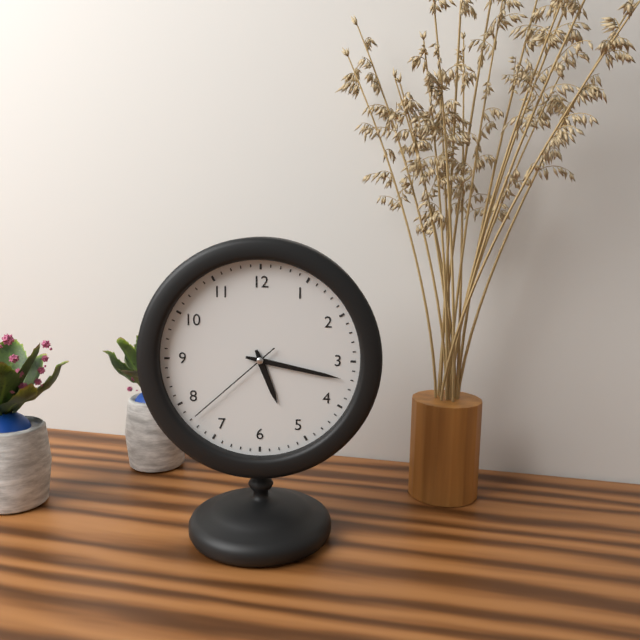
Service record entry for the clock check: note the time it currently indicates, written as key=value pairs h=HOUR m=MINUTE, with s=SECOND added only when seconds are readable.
h=5 m=17 s=38
